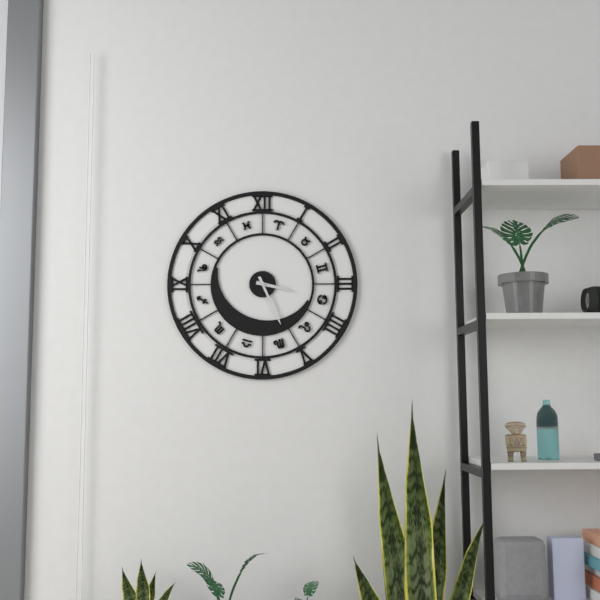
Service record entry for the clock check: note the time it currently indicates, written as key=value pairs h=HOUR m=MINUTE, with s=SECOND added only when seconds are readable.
h=3 m=26
